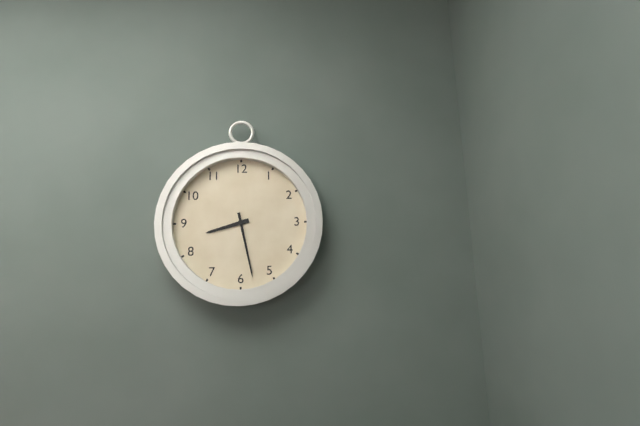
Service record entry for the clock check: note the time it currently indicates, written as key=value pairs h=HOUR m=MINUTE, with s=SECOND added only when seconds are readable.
h=8 m=28
